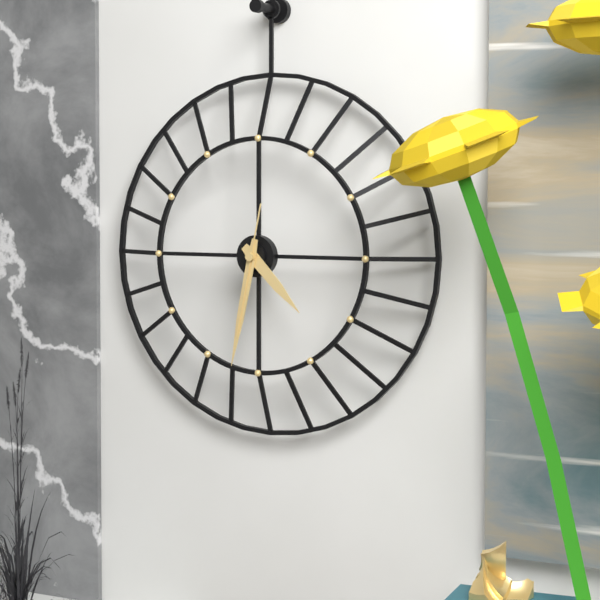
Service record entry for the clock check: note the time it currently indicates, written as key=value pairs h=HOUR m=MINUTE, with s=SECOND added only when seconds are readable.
h=4 m=32 s=32
